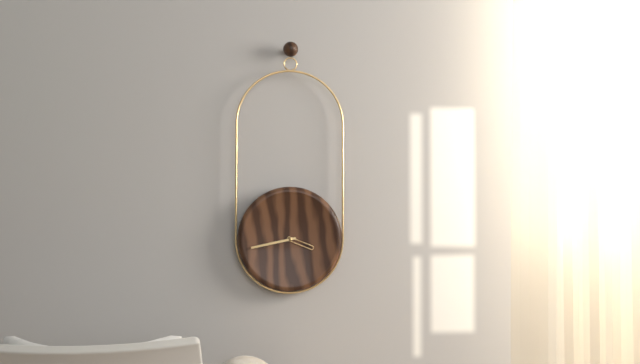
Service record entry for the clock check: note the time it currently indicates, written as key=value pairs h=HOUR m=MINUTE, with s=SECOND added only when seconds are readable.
h=3 m=43
